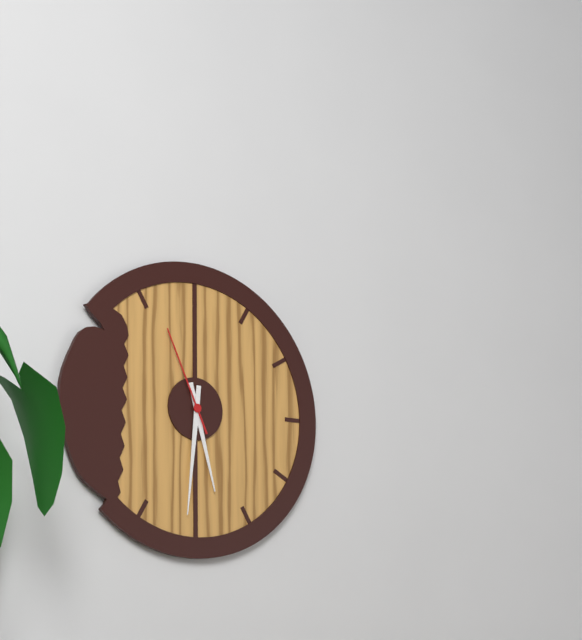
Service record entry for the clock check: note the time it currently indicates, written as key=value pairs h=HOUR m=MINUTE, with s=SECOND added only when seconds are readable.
h=5 m=31 s=56
